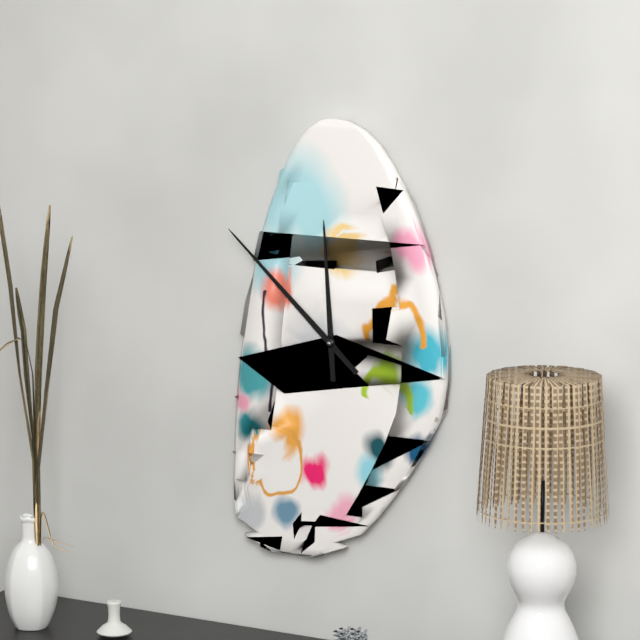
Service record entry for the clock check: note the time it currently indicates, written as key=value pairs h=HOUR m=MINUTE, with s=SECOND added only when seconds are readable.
h=11 m=52
